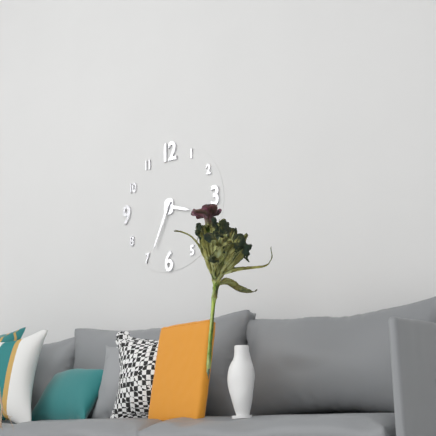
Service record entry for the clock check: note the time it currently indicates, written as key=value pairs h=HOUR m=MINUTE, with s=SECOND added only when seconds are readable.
h=3 m=34
